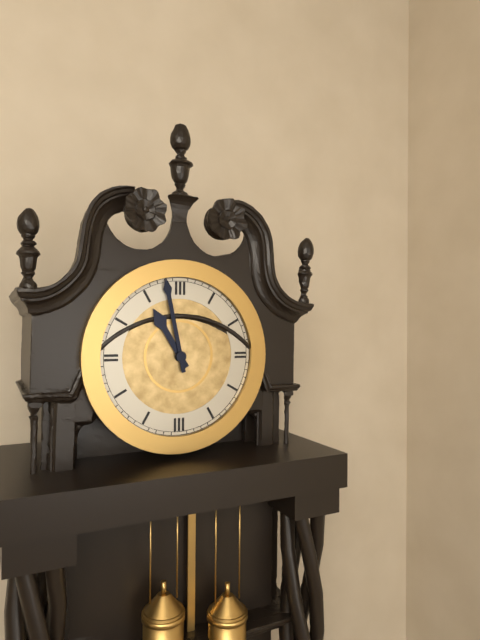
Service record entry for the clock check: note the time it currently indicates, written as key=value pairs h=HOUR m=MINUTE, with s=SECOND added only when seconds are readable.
h=10 m=58
